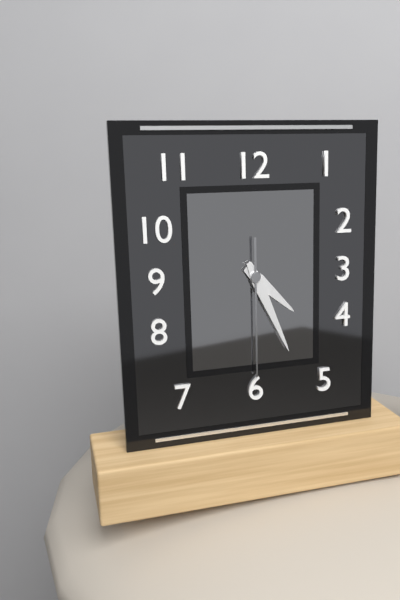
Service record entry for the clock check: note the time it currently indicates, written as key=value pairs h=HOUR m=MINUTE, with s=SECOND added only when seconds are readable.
h=4 m=26 s=30
